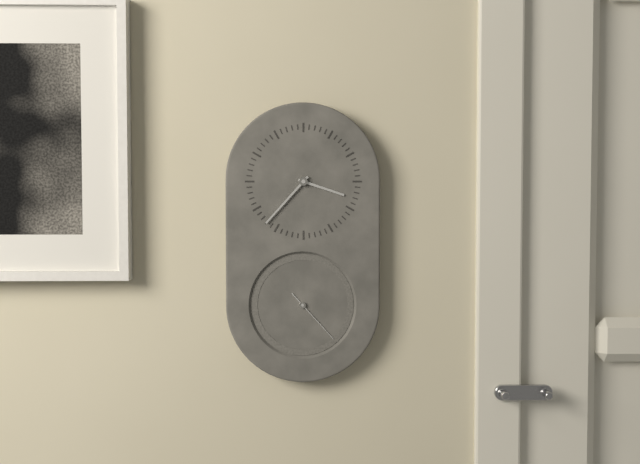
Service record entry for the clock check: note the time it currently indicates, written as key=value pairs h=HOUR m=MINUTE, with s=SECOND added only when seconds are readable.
h=3 m=37 s=23
